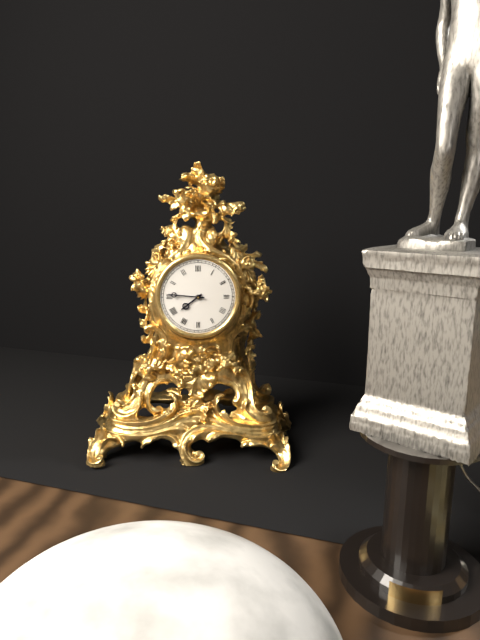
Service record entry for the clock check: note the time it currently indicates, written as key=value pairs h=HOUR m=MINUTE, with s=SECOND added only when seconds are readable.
h=7 m=46
